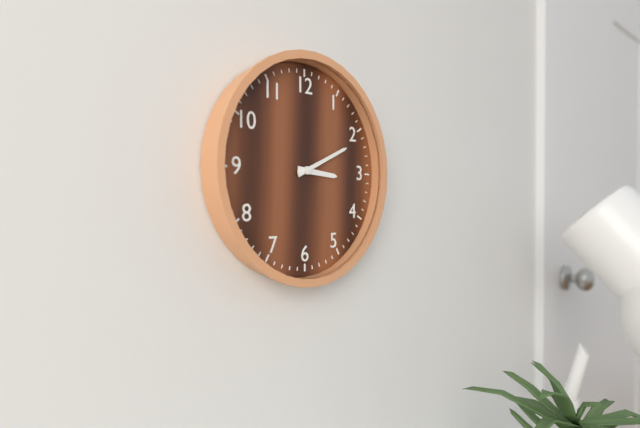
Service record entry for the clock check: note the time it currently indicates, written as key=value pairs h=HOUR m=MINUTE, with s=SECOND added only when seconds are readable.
h=3 m=11
